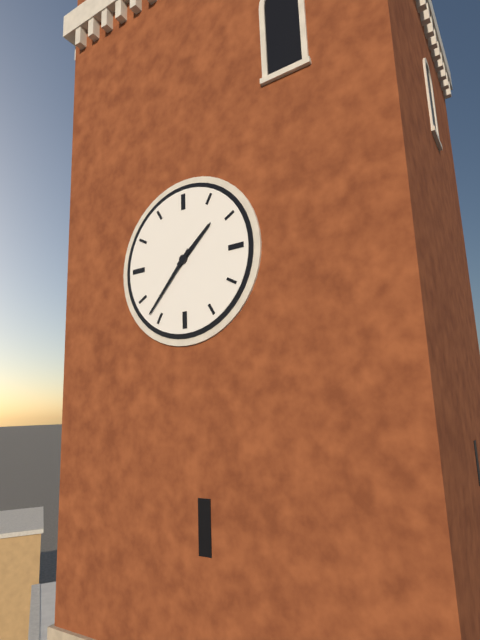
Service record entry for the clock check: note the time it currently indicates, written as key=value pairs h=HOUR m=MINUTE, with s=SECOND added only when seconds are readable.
h=1 m=37
